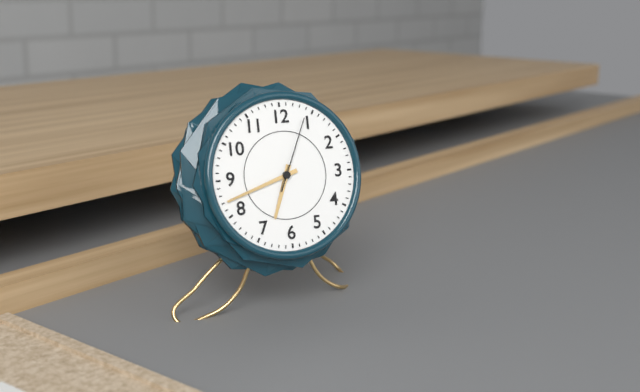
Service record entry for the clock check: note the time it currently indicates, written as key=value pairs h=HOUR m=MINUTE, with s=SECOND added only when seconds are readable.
h=6 m=42 s=4
